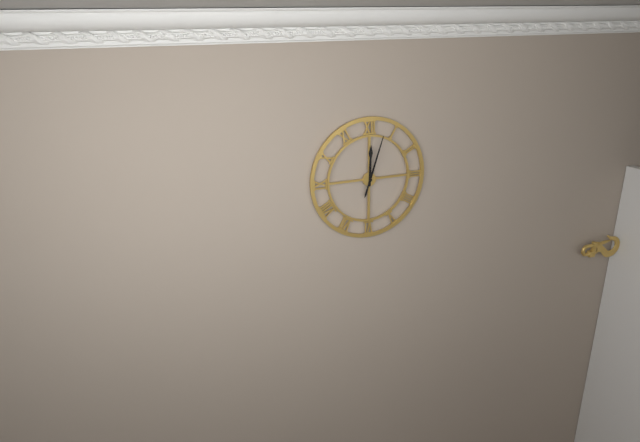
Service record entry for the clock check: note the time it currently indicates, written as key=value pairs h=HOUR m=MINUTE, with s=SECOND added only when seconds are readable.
h=12 m=3
